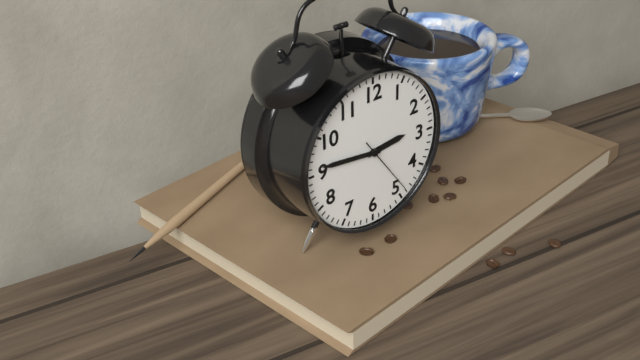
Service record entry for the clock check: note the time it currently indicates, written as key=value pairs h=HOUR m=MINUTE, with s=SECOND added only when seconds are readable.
h=2 m=46 s=24
